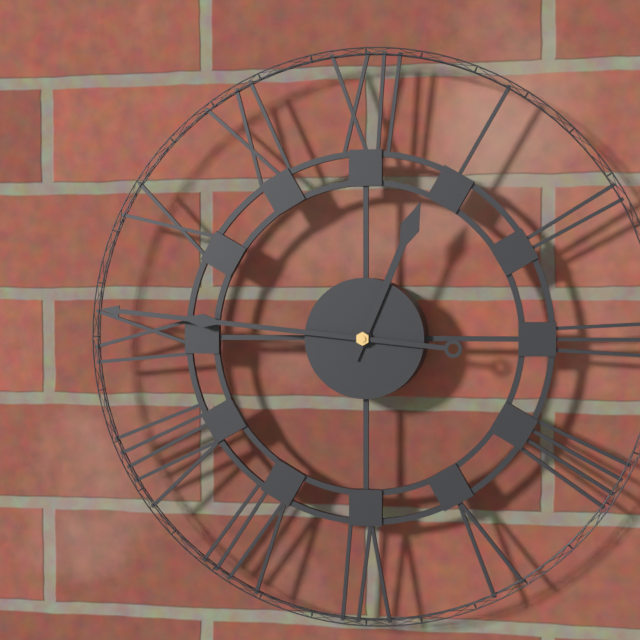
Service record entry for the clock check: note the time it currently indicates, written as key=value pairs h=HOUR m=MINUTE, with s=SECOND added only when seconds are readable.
h=12 m=46
